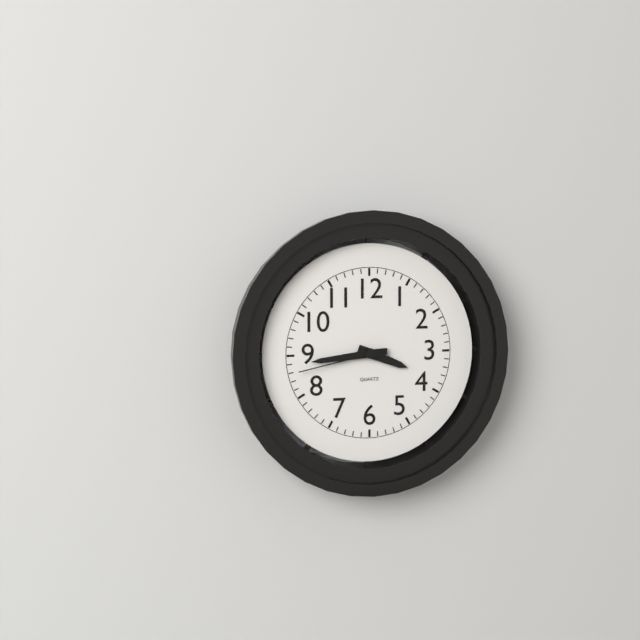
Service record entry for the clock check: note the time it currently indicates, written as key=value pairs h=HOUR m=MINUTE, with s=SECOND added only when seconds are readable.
h=3 m=44 s=43
